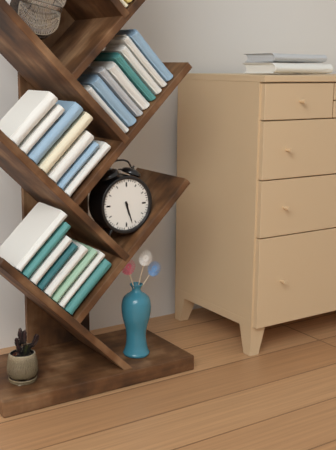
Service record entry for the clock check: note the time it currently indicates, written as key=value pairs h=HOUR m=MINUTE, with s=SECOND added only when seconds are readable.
h=5 m=27
